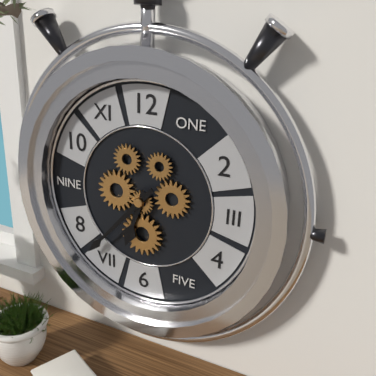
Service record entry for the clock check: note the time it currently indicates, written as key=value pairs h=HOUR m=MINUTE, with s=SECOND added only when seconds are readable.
h=6 m=37
